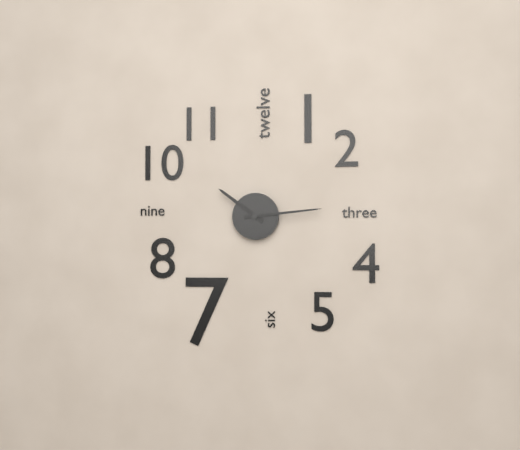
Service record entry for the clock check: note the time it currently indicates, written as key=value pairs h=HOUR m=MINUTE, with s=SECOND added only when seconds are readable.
h=10 m=14
